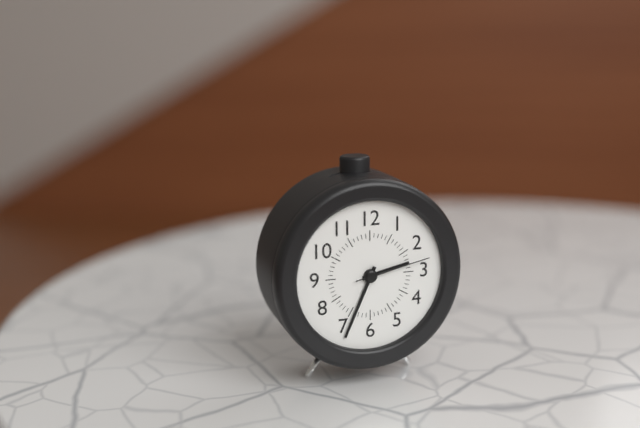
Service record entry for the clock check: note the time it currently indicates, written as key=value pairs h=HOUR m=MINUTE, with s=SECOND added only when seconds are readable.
h=2 m=34 s=13
